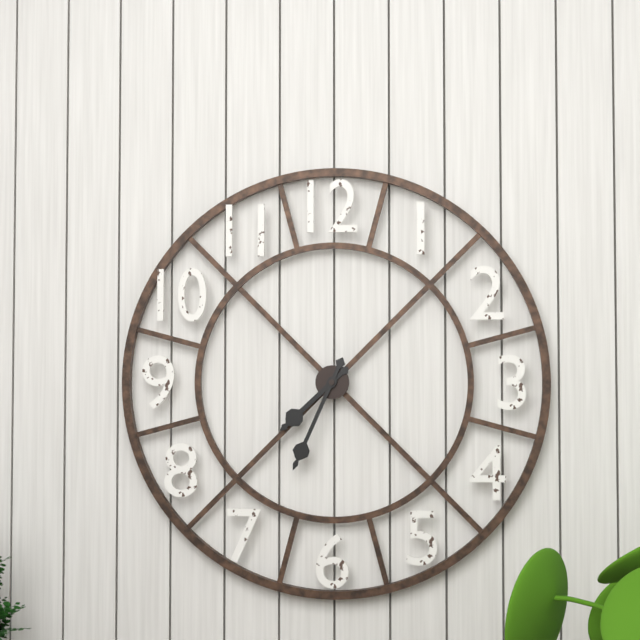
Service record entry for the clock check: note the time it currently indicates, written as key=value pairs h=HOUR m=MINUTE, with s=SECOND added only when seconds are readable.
h=7 m=34
